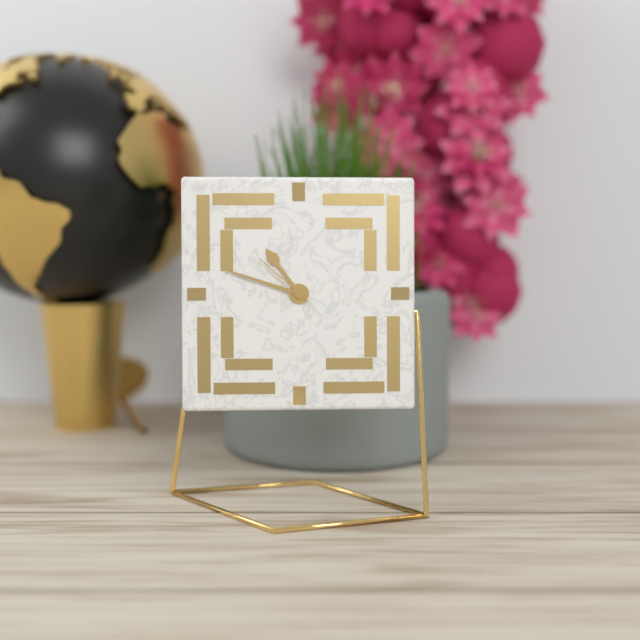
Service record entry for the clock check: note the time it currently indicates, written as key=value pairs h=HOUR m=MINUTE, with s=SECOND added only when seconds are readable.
h=10 m=48 s=52
